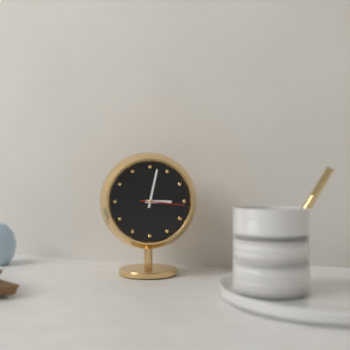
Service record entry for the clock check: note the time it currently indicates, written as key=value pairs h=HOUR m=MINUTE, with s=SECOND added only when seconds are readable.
h=3 m=2
